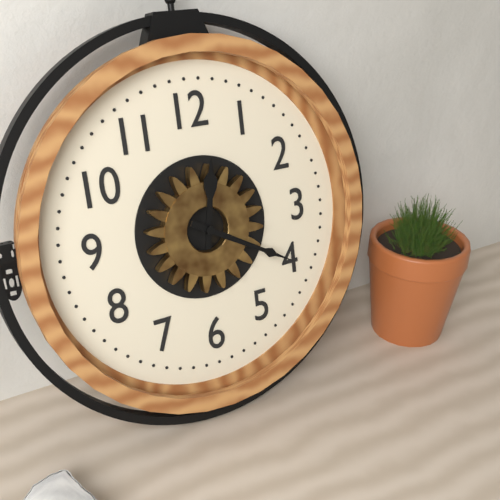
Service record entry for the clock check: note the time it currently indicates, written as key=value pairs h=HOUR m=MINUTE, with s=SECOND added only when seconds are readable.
h=12 m=20
